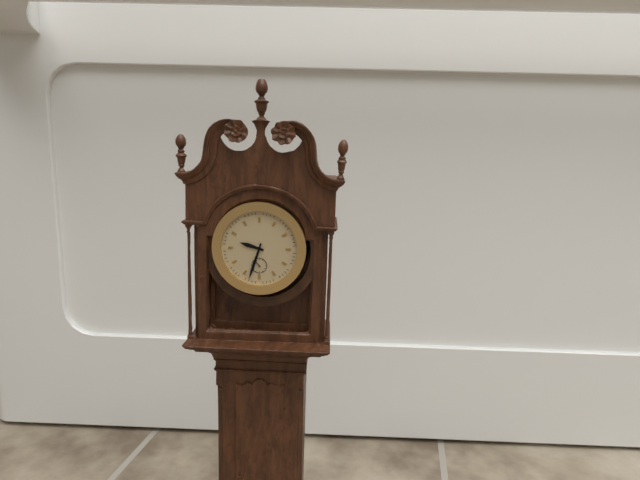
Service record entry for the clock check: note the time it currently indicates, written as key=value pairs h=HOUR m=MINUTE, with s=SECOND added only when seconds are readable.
h=9 m=33
